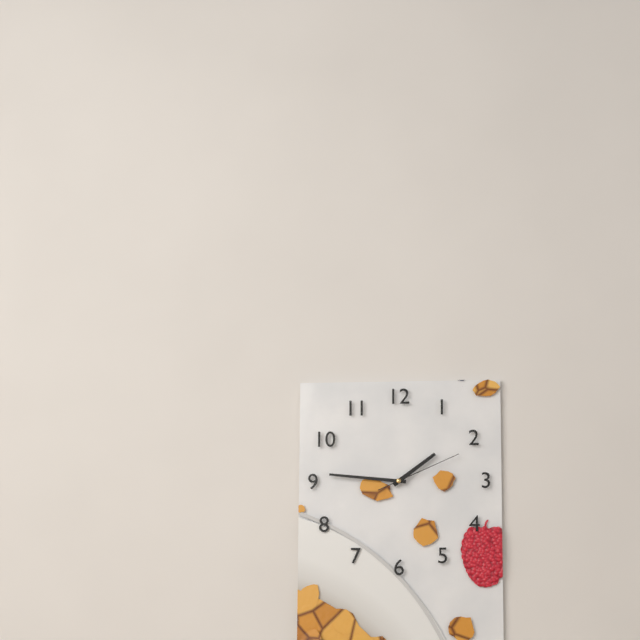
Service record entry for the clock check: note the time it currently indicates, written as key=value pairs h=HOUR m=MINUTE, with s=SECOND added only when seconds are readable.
h=1 m=46 s=11
